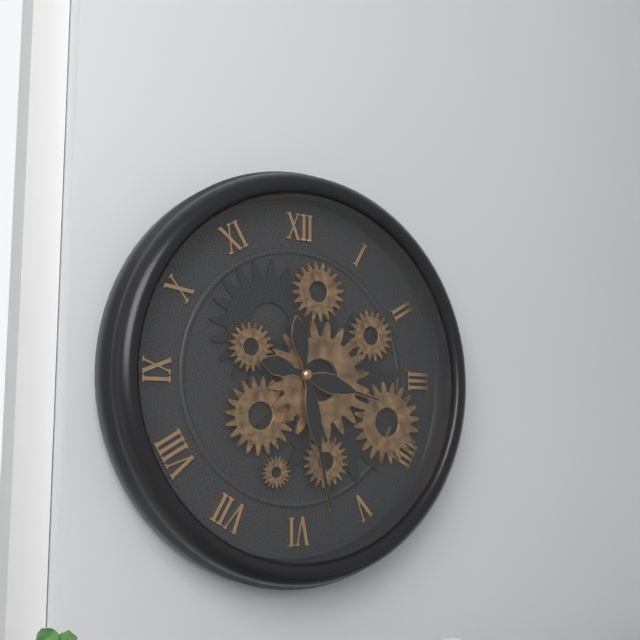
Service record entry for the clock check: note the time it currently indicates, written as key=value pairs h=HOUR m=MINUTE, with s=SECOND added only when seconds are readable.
h=3 m=28
